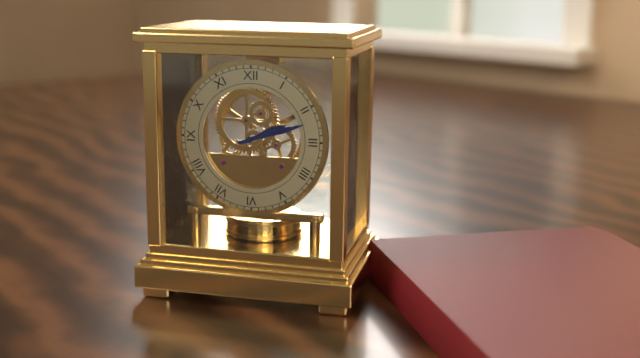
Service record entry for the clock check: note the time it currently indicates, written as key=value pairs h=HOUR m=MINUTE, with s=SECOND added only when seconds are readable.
h=2 m=12
